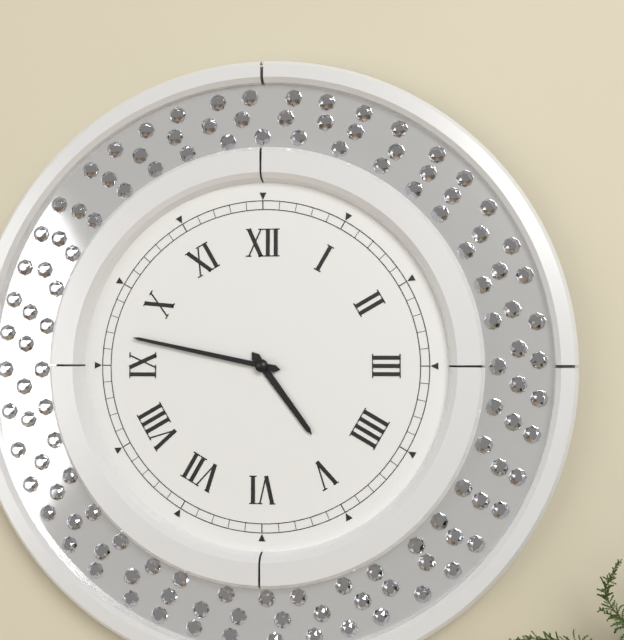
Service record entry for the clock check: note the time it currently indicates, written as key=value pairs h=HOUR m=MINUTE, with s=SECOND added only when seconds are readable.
h=4 m=47
